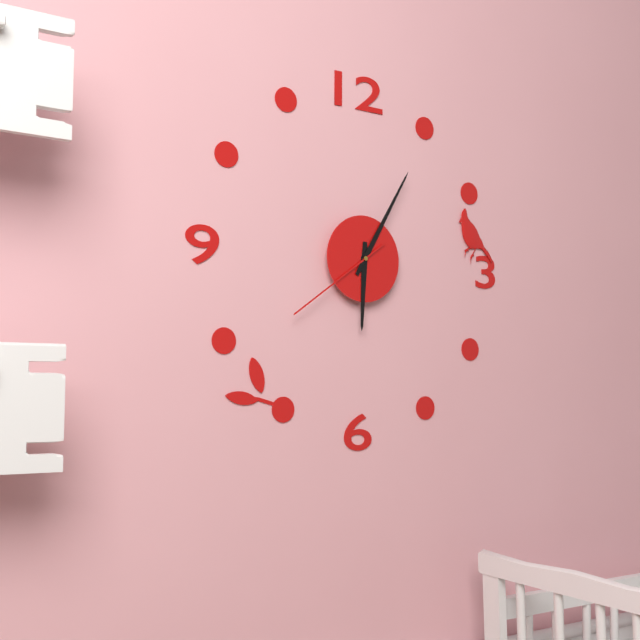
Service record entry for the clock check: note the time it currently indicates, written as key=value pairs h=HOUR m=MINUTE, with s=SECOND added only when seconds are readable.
h=6 m=5 s=39
